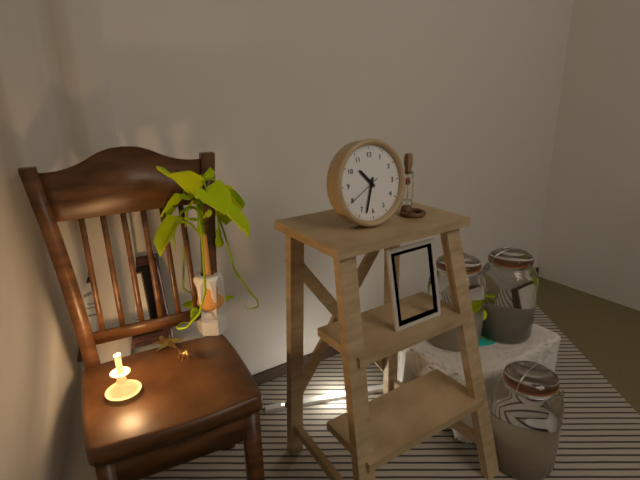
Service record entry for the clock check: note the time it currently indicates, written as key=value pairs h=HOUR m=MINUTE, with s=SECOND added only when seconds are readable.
h=10 m=33
